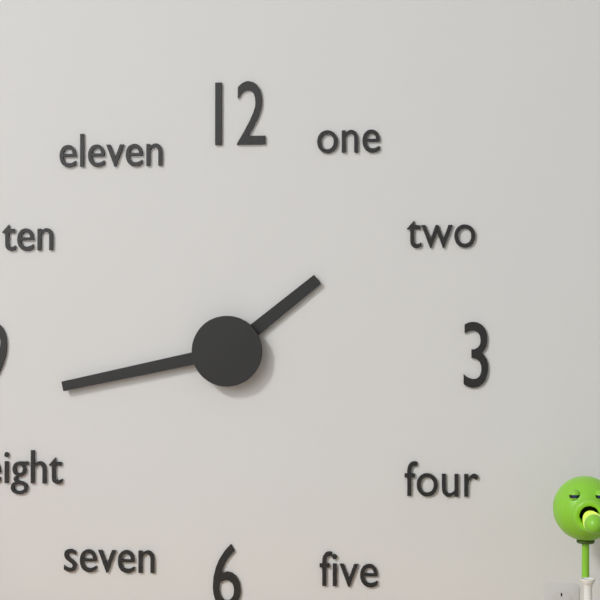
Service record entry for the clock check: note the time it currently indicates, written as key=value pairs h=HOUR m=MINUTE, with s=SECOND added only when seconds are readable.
h=1 m=43
